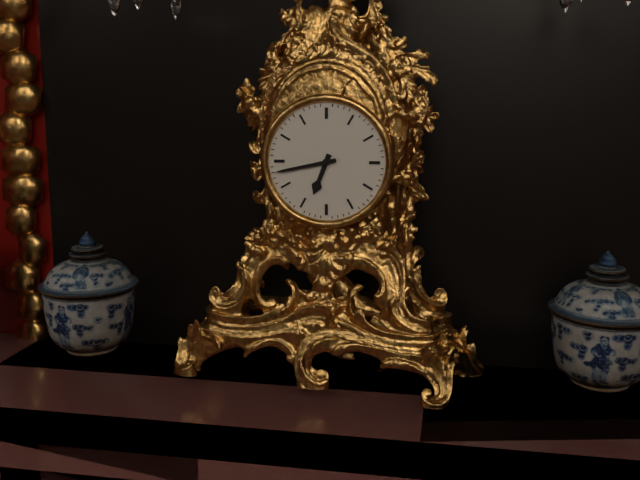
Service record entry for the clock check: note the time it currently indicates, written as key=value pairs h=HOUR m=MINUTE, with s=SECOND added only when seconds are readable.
h=6 m=43
